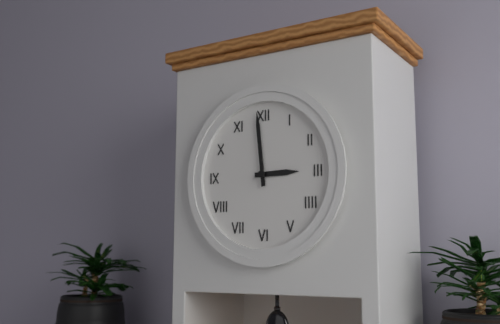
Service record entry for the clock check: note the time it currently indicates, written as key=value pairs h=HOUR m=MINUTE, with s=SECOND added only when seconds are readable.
h=2 m=59
